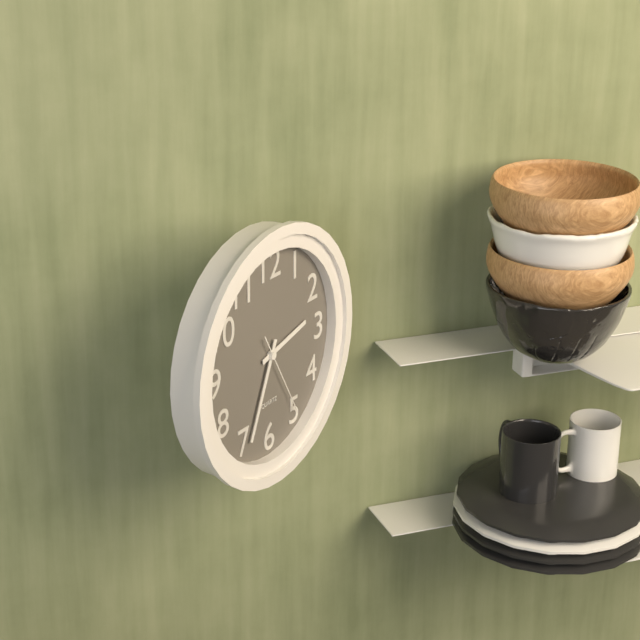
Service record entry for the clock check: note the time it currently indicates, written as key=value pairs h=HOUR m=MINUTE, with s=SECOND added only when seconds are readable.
h=2 m=34 s=25
